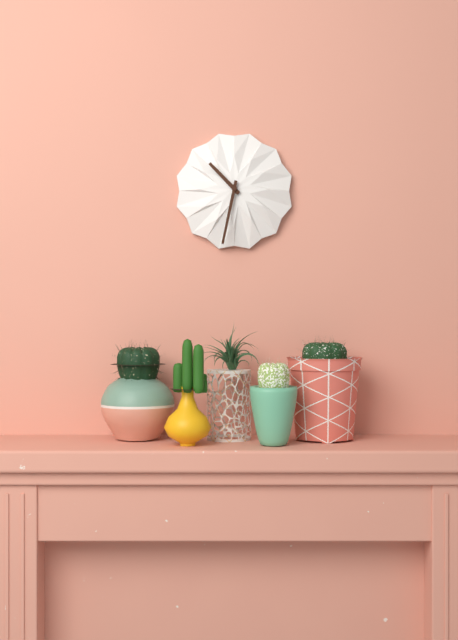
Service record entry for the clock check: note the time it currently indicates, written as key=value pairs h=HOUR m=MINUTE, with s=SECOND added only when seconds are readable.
h=10 m=32
